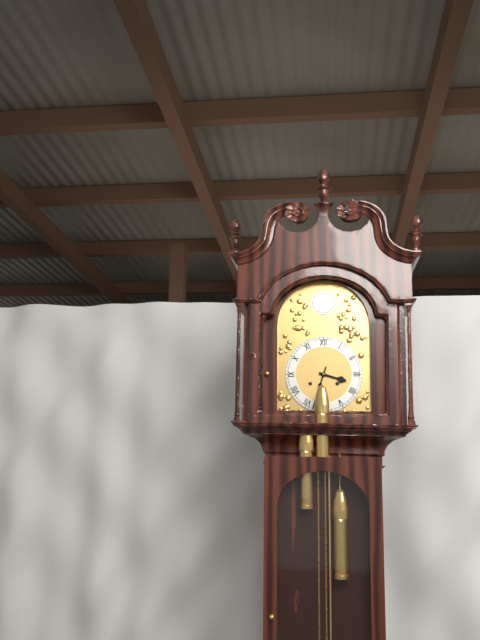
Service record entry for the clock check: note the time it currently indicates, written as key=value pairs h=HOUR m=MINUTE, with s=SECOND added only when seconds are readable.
h=3 m=33
